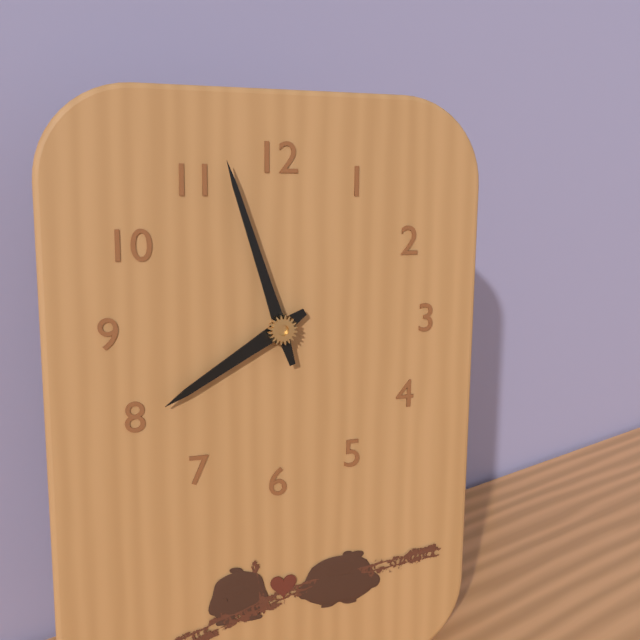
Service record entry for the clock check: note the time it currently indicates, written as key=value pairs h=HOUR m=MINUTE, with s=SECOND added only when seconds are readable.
h=7 m=57
